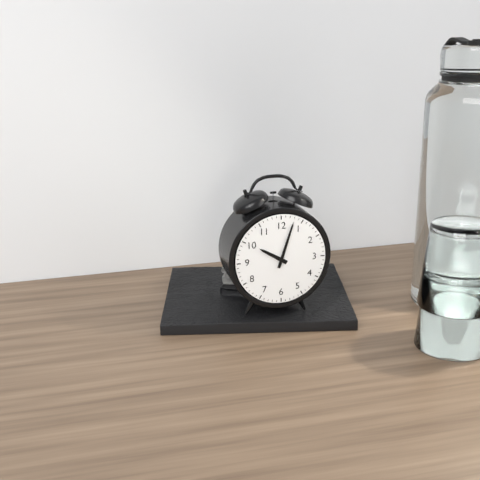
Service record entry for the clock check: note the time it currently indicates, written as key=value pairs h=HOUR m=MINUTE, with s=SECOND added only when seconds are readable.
h=10 m=3
